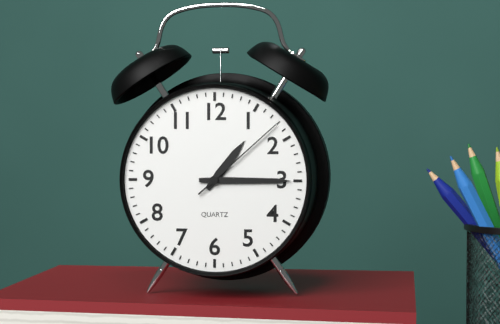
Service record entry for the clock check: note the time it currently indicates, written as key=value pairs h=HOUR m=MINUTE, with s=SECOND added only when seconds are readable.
h=1 m=15 s=8
